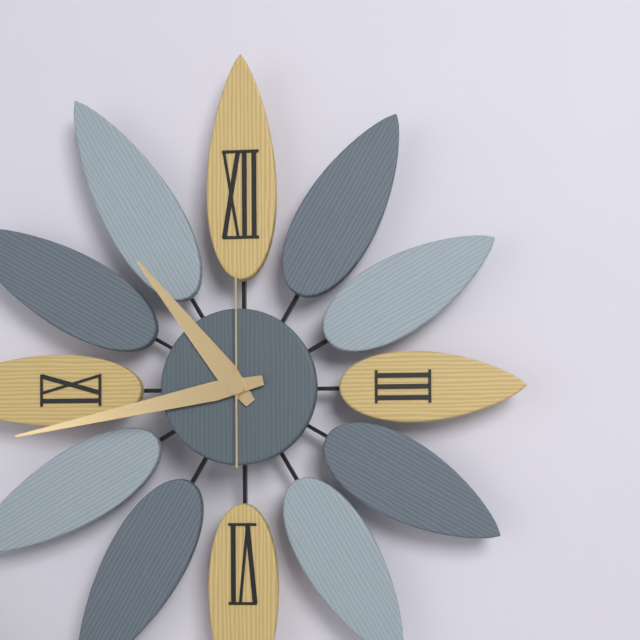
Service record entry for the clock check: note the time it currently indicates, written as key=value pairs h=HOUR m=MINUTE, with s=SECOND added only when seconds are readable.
h=10 m=43 s=0
